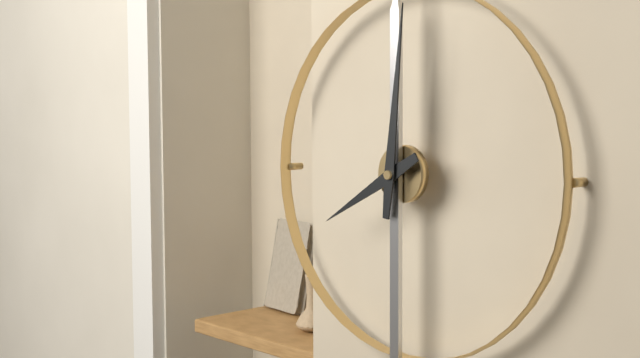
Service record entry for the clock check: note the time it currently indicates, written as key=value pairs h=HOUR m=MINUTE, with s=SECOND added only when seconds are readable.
h=8 m=1
